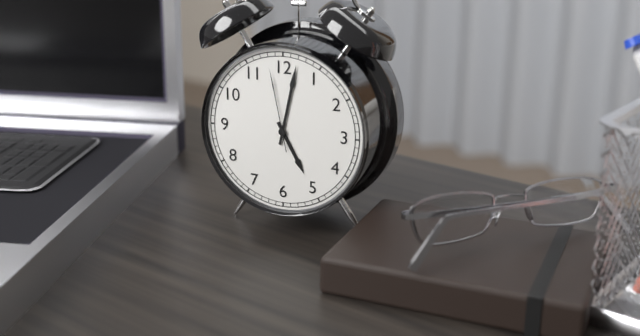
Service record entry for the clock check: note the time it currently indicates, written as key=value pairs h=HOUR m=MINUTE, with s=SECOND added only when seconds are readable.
h=5 m=2 s=58
